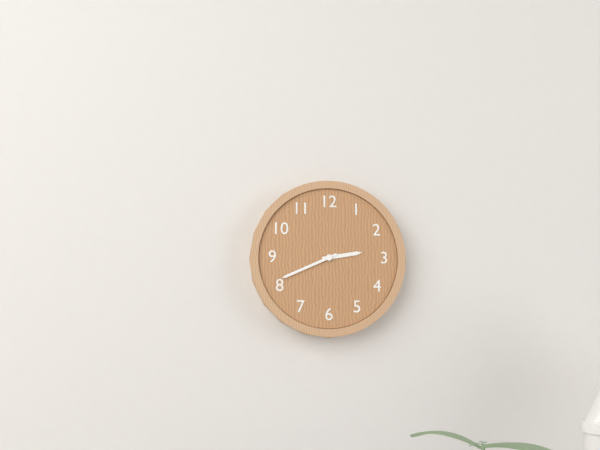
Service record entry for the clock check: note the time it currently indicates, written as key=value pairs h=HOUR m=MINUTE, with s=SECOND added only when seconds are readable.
h=2 m=41
